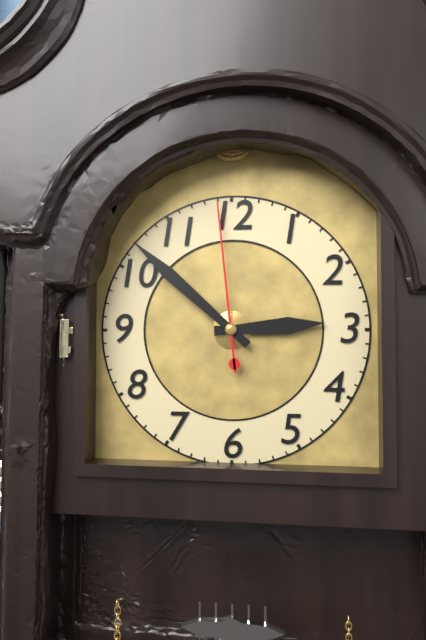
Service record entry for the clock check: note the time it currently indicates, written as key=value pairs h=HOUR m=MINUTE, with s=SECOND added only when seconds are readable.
h=2 m=52 s=59
